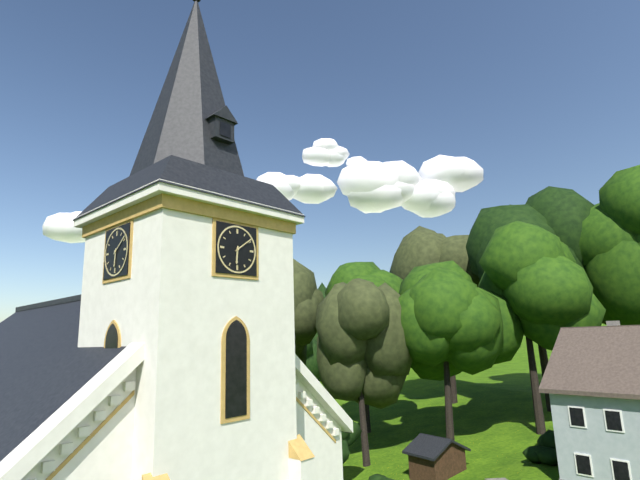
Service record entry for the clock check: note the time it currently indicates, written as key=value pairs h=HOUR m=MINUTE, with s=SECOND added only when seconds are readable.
h=6 m=9
